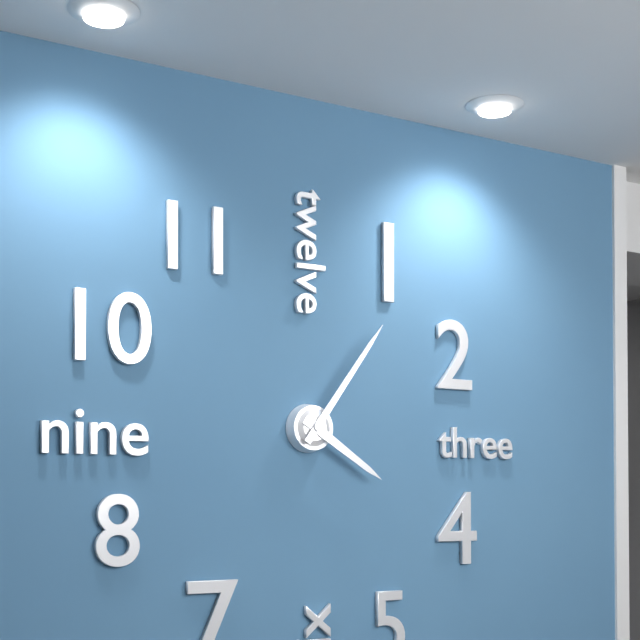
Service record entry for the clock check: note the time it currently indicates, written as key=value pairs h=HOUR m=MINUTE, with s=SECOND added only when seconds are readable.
h=4 m=6
